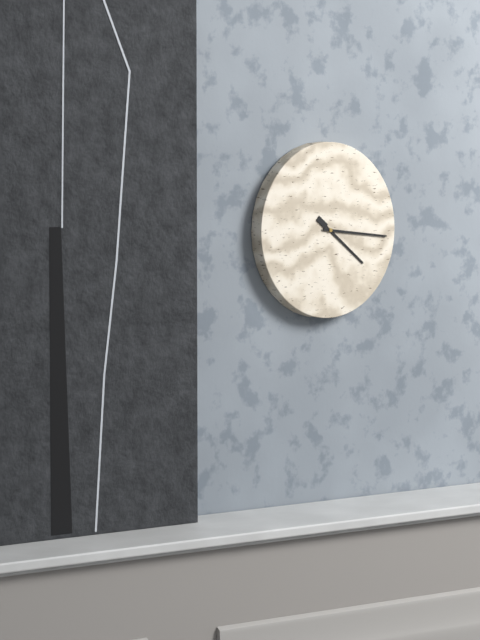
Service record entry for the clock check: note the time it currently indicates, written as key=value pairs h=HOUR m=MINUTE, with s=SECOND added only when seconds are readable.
h=4 m=16
